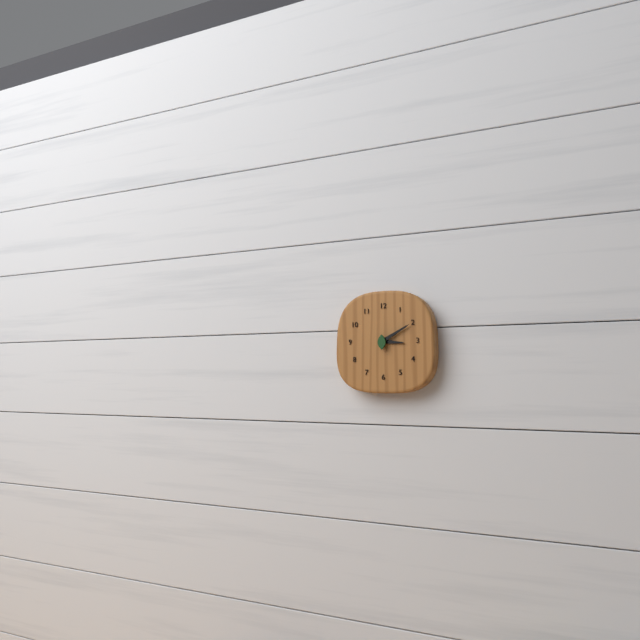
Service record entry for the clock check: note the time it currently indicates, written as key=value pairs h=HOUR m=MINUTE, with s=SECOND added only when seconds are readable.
h=3 m=10
